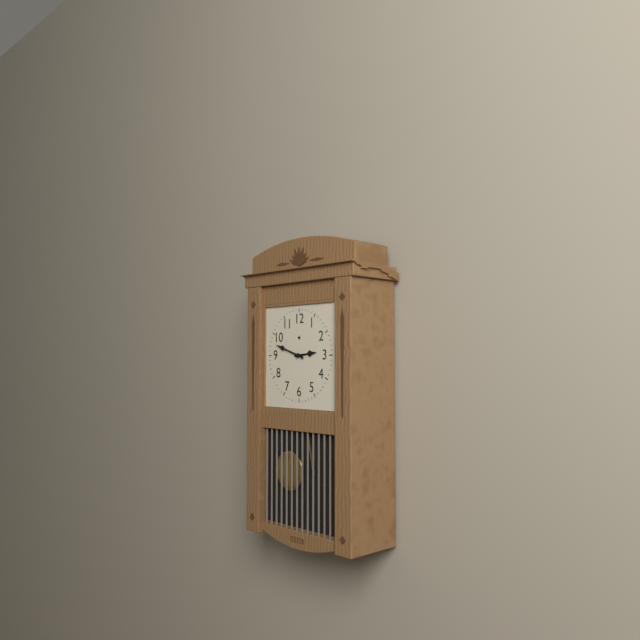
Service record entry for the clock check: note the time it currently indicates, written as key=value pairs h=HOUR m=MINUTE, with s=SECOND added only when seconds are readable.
h=2 m=48
